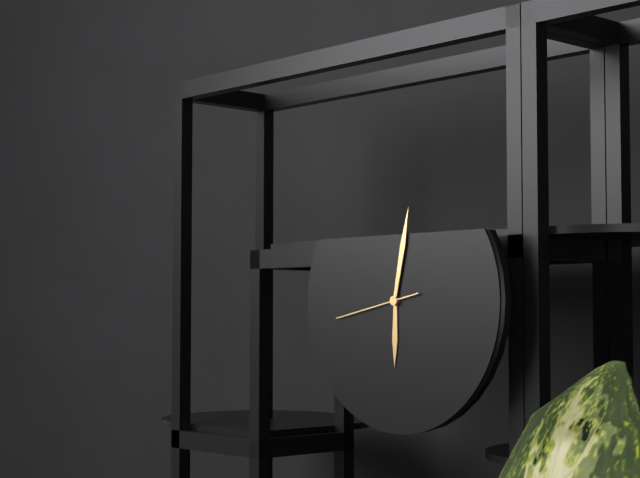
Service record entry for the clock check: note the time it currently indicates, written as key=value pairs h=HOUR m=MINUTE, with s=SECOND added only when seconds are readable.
h=6 m=2 s=43
